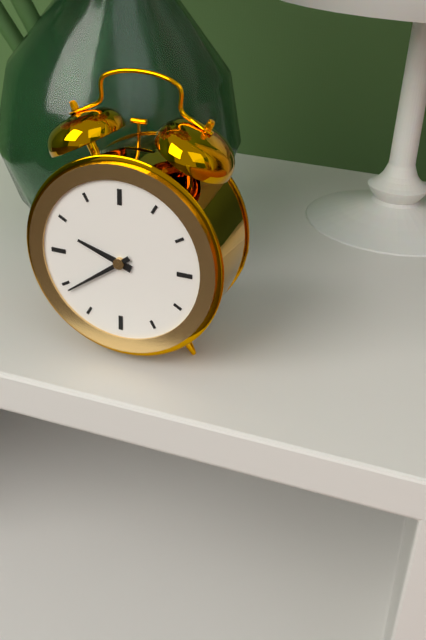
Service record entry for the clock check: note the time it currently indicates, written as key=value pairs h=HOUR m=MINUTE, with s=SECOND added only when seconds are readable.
h=9 m=39
